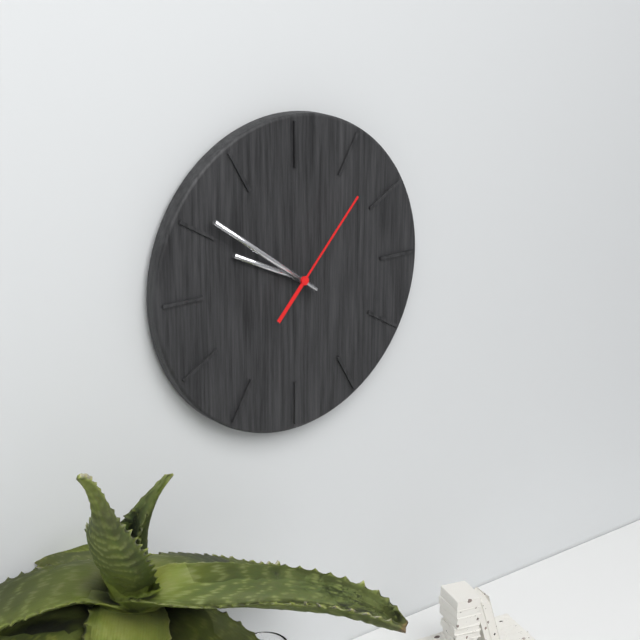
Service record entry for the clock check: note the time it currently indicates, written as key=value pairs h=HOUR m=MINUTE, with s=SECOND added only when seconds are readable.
h=9 m=51 s=7
